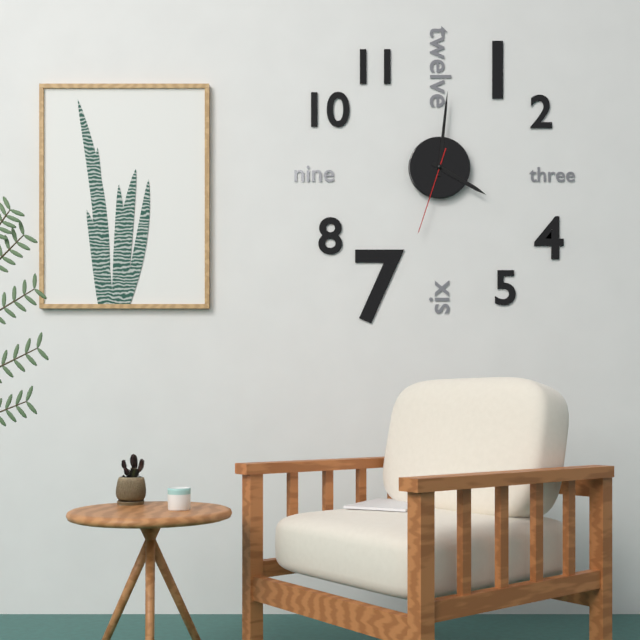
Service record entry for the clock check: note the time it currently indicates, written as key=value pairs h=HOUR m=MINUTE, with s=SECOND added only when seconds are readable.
h=4 m=1 s=33
